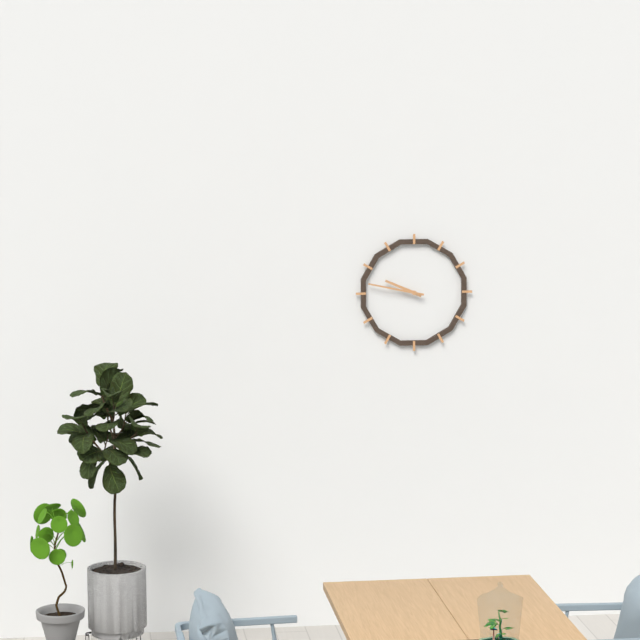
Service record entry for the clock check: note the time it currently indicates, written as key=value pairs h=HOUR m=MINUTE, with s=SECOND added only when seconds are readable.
h=9 m=47
